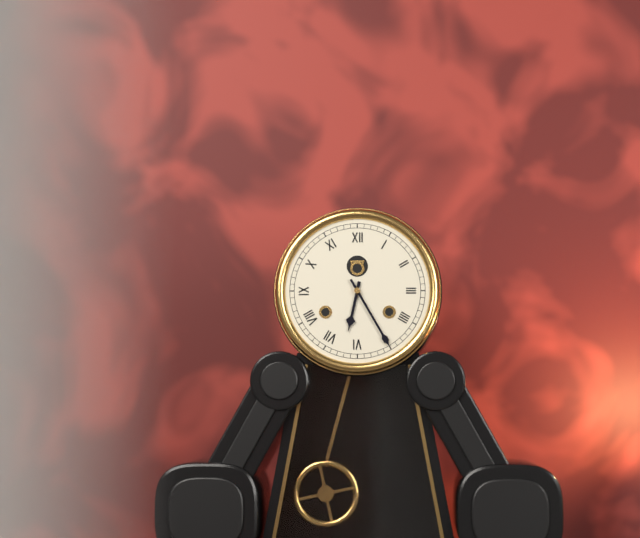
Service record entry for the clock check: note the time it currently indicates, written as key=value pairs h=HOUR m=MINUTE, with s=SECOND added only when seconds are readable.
h=6 m=25
